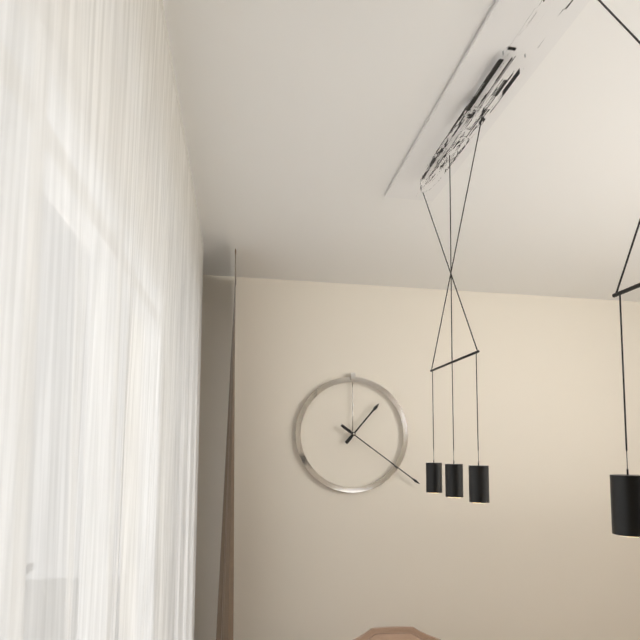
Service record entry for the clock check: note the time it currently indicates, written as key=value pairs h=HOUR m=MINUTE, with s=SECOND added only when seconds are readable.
h=1 m=21
